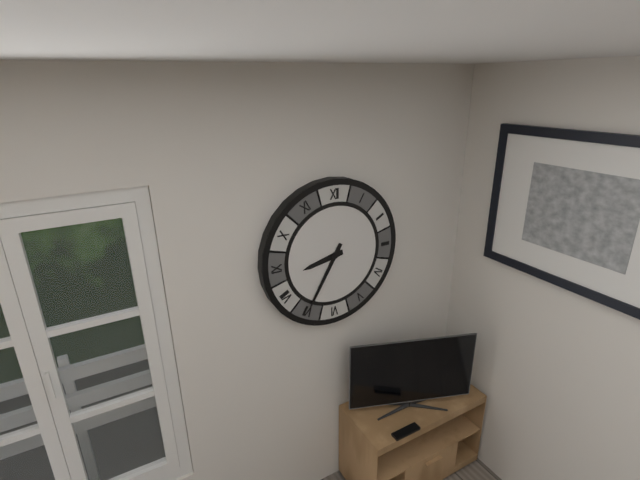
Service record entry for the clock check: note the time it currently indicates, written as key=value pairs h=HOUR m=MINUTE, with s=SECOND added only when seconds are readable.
h=8 m=35
